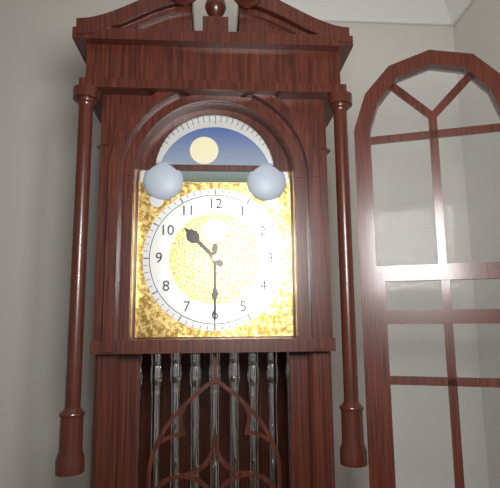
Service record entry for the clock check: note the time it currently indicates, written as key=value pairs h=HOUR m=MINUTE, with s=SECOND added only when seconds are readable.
h=10 m=30
